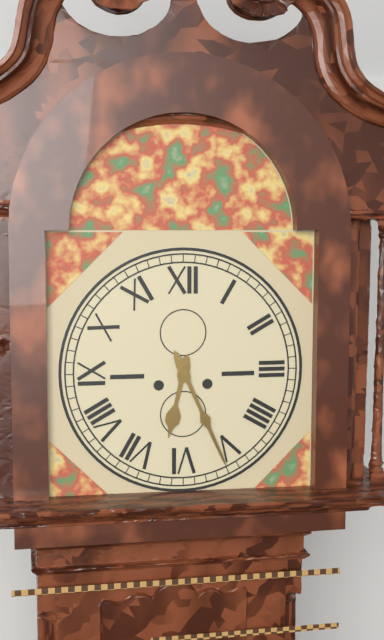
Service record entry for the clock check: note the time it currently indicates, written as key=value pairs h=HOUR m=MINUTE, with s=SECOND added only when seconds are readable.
h=6 m=26
